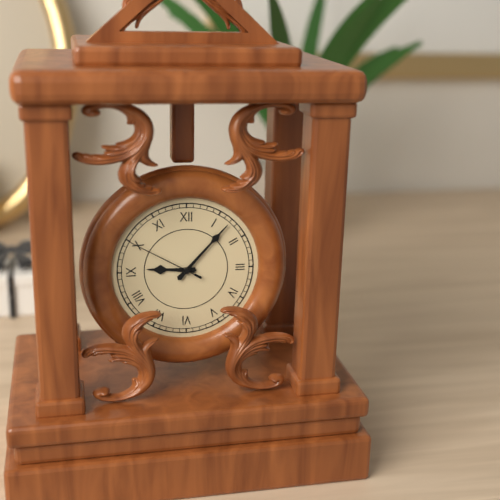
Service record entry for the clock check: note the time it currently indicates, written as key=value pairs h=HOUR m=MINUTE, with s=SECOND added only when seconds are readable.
h=9 m=7 s=50
